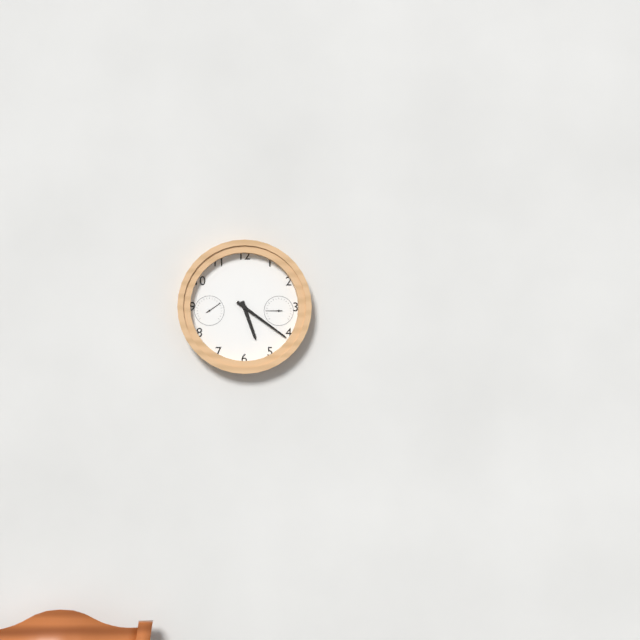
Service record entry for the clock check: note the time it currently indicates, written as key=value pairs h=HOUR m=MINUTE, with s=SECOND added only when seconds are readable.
h=5 m=21
